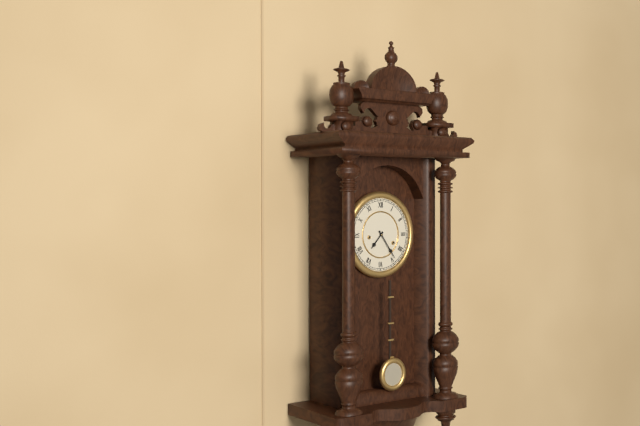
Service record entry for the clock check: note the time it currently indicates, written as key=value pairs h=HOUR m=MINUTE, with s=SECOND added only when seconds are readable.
h=7 m=24
